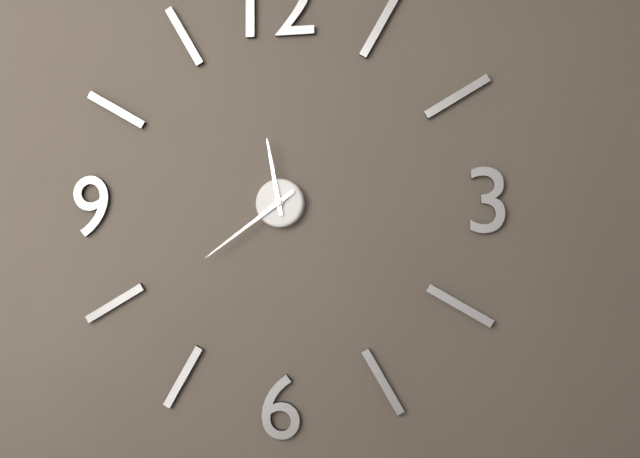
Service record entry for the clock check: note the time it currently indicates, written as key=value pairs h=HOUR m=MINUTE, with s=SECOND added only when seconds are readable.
h=11 m=39
